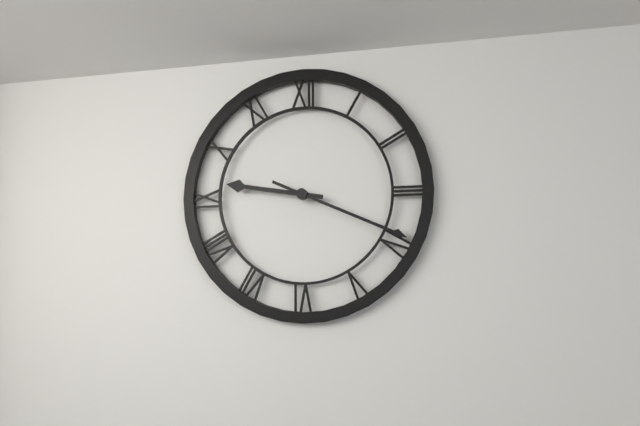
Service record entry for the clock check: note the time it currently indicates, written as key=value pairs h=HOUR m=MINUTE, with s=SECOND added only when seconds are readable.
h=9 m=19
